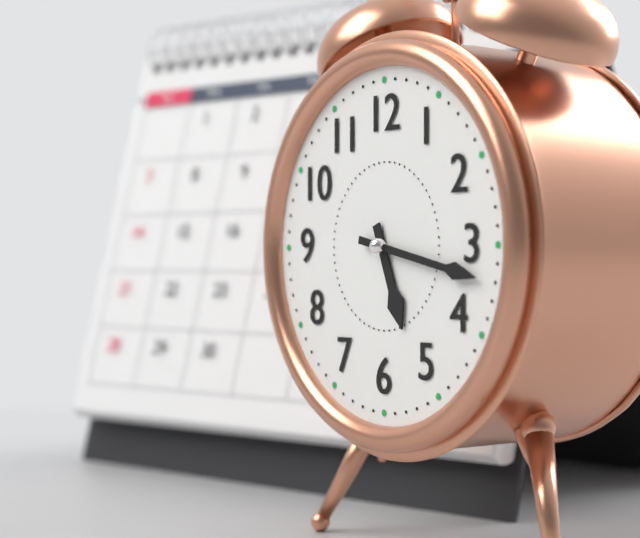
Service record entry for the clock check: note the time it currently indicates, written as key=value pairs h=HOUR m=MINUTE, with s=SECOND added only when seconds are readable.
h=5 m=17
